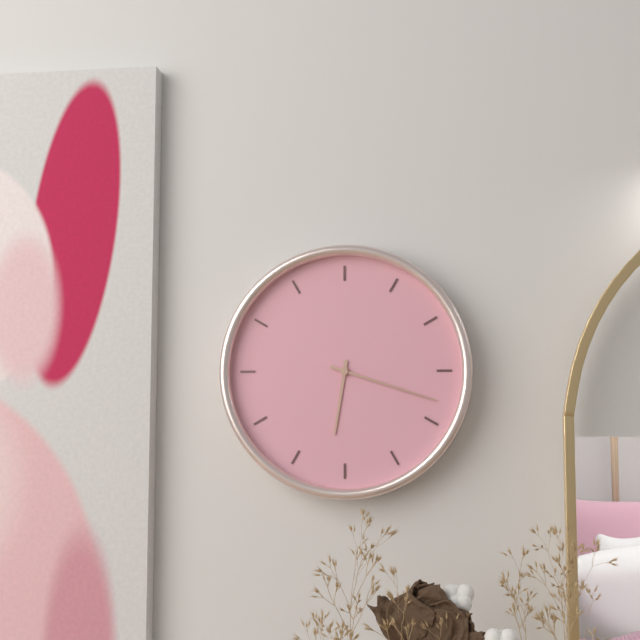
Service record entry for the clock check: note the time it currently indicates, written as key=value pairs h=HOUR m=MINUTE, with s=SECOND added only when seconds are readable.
h=6 m=18
